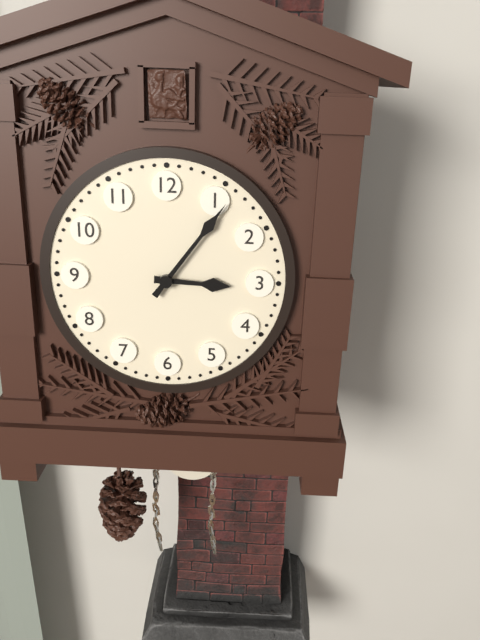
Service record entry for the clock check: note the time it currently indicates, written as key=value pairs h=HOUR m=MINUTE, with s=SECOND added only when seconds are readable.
h=3 m=6
